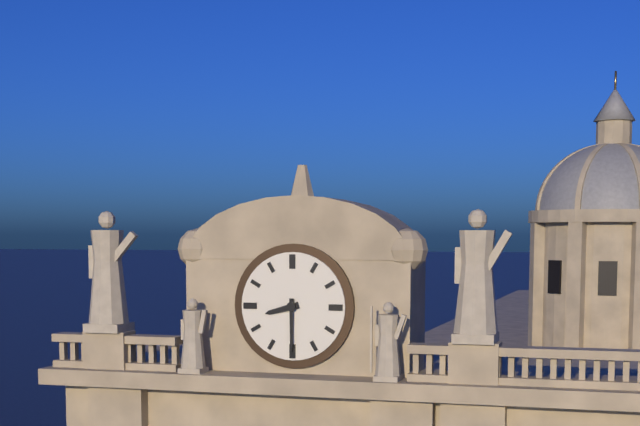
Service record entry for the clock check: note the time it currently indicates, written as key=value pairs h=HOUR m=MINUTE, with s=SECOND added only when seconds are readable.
h=8 m=30
